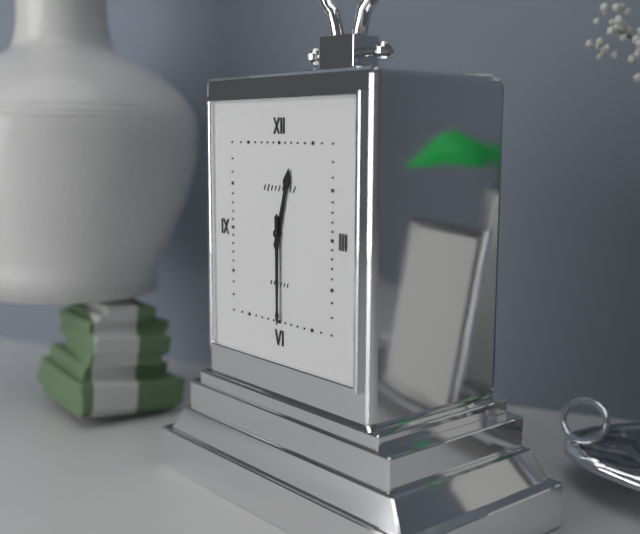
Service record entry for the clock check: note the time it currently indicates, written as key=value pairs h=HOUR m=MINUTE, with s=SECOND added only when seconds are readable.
h=12 m=30
